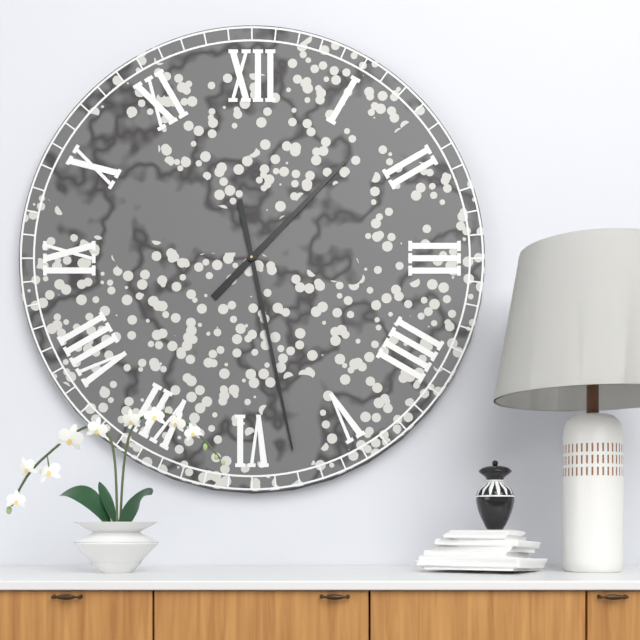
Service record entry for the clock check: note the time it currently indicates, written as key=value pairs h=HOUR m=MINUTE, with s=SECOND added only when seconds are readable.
h=1 m=28
